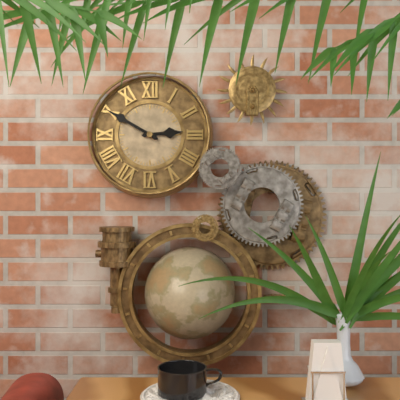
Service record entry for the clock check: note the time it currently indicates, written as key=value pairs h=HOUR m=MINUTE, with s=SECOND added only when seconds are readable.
h=2 m=50
